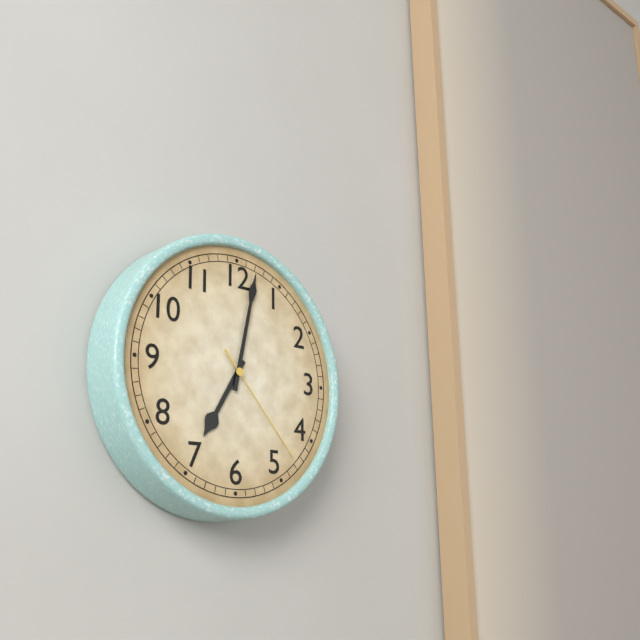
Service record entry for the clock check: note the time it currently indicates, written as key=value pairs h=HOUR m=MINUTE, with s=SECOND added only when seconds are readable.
h=7 m=2 s=23
